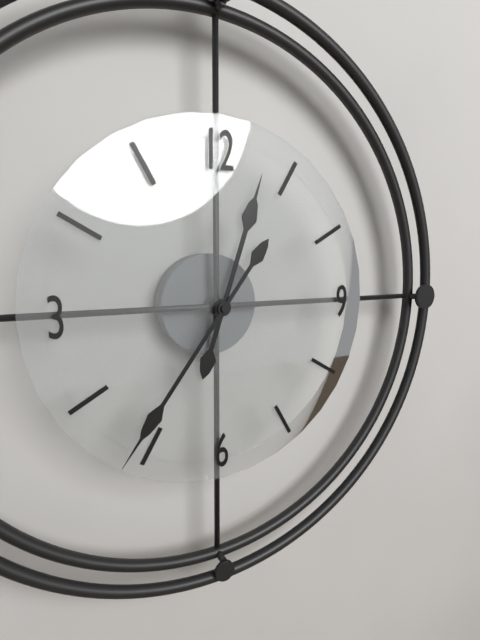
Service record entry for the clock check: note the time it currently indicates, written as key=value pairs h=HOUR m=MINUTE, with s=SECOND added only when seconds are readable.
h=12 m=36
